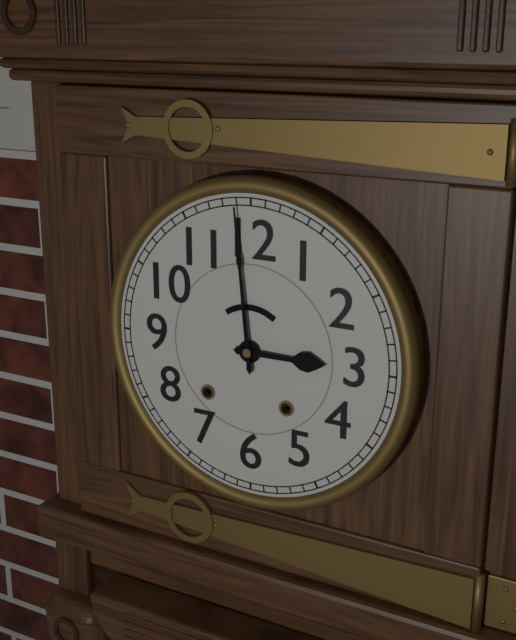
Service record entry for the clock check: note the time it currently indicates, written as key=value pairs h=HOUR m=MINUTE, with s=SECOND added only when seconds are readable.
h=2 m=59
